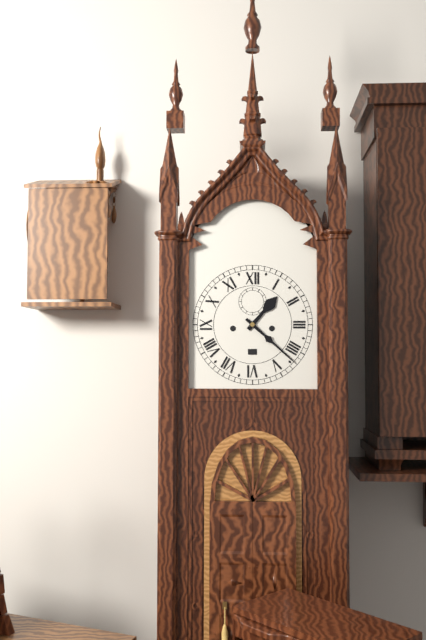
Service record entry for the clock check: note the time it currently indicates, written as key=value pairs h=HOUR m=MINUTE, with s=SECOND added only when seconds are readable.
h=1 m=22
